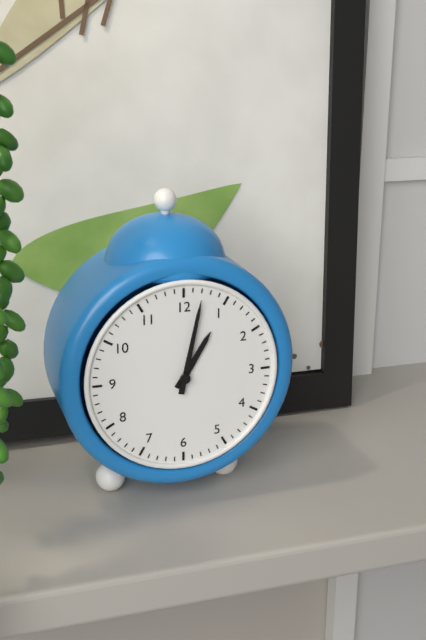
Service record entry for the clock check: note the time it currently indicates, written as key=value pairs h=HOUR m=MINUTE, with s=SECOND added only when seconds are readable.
h=1 m=2
